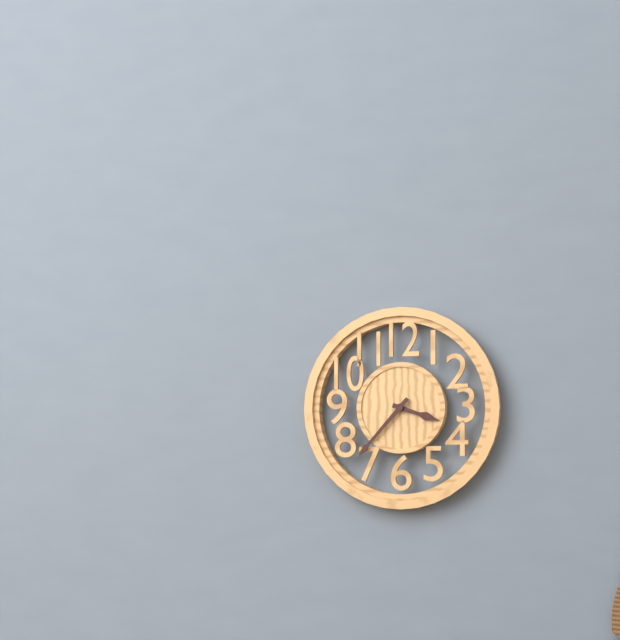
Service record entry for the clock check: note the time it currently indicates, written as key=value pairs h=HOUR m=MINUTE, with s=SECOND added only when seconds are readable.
h=3 m=37
